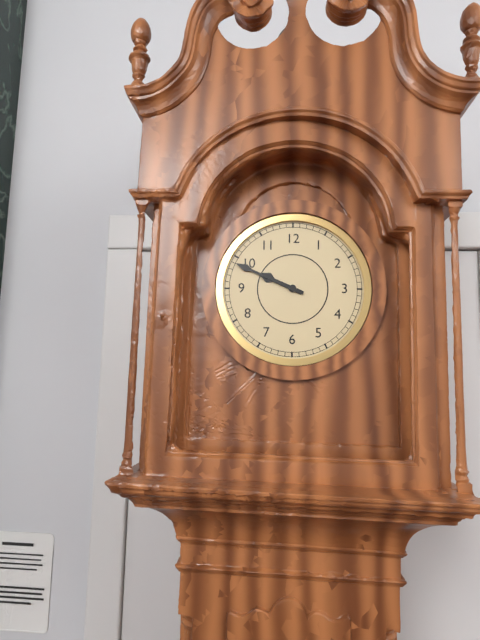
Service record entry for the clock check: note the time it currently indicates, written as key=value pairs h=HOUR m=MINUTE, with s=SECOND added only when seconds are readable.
h=9 m=49
